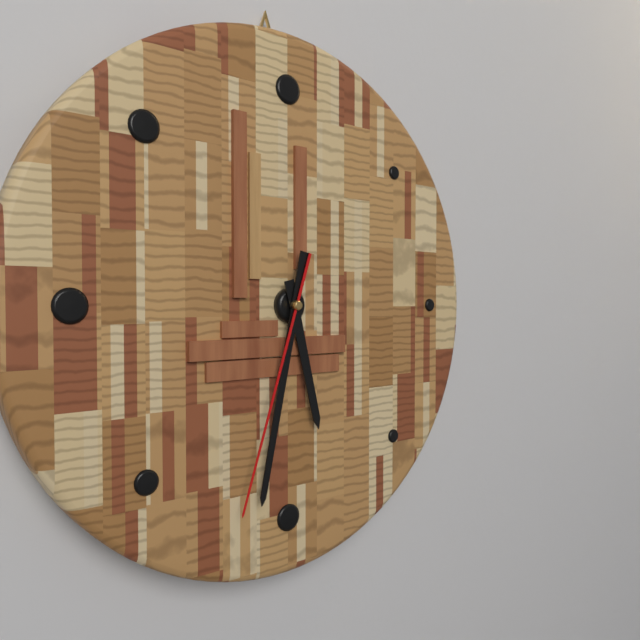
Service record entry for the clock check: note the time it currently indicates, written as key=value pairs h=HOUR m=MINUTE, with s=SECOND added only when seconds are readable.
h=5 m=32 s=33
